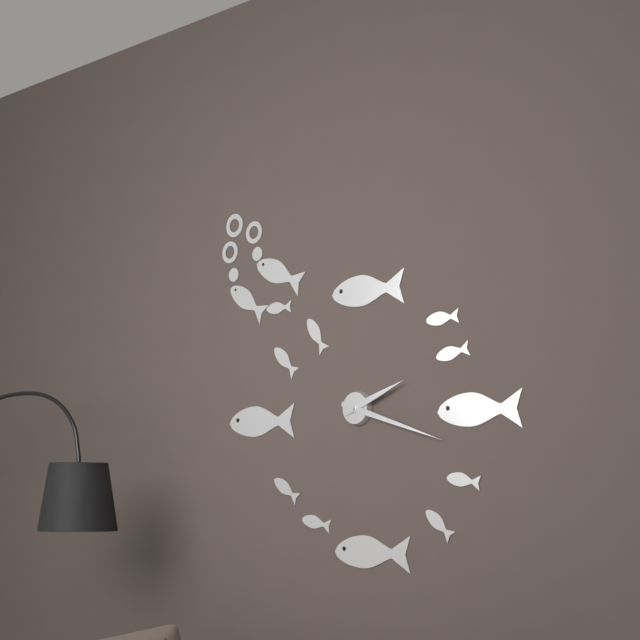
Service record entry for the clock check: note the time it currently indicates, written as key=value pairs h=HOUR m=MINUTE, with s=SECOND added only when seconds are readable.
h=2 m=18
